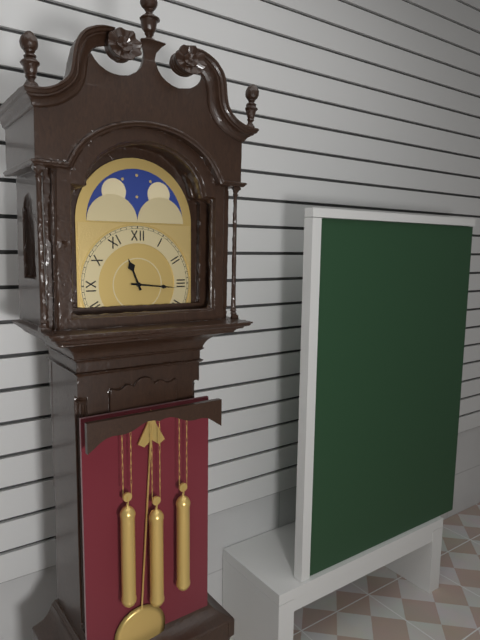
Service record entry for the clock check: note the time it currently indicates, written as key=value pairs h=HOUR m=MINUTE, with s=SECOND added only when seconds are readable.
h=11 m=16
